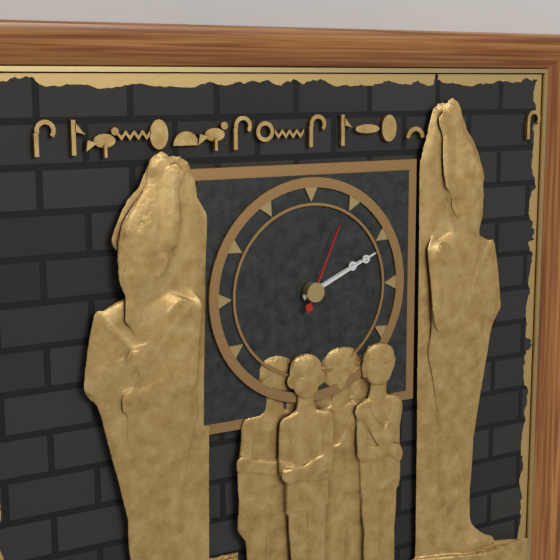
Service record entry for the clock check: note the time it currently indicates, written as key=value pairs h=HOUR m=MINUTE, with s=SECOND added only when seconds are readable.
h=2 m=11 s=4
